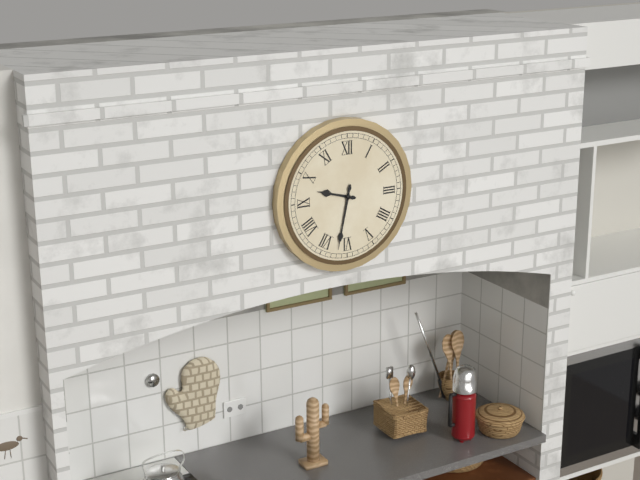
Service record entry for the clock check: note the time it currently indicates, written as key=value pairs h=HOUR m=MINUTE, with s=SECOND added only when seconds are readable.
h=9 m=32
